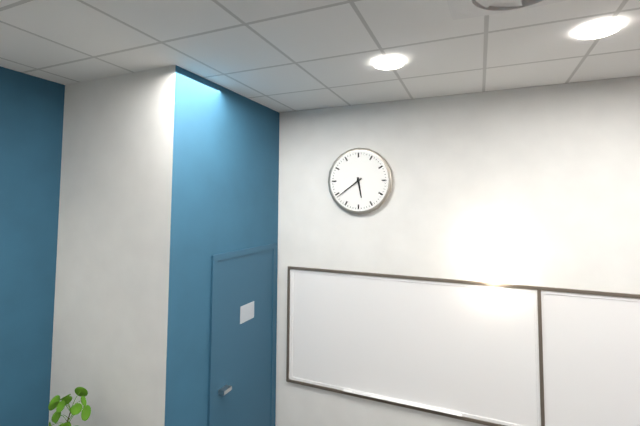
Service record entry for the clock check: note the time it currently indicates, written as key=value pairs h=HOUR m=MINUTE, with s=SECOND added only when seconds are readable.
h=5 m=39
